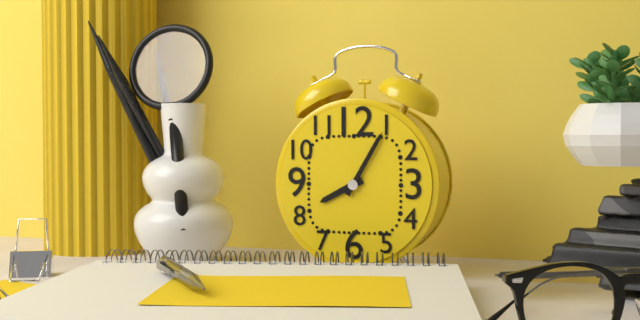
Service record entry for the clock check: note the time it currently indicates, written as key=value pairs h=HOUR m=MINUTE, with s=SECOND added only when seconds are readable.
h=8 m=5
